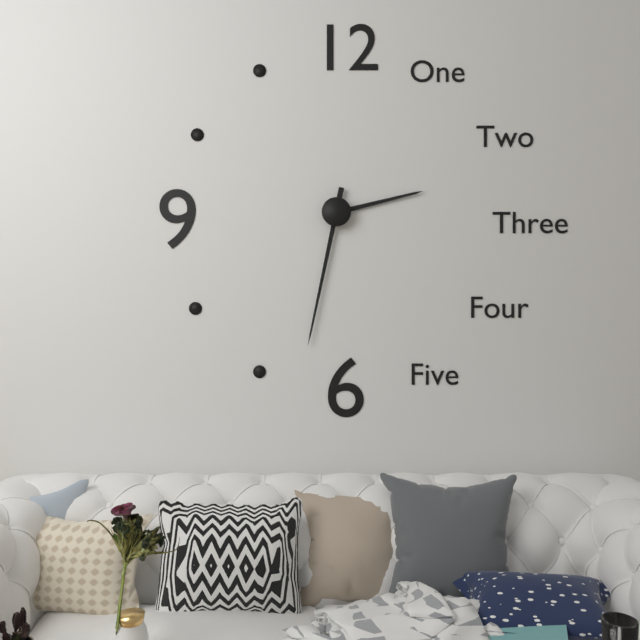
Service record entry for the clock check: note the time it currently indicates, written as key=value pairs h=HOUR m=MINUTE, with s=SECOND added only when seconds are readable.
h=2 m=32
